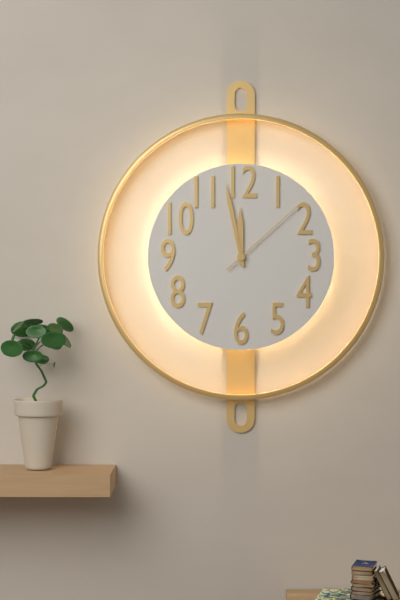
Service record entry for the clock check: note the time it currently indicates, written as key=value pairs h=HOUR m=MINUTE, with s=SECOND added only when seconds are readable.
h=11 m=58 s=8
